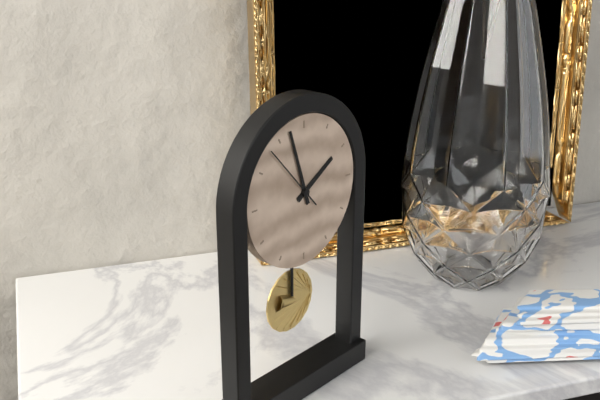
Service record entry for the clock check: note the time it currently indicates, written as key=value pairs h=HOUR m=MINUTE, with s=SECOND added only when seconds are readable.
h=1 m=57 s=53
